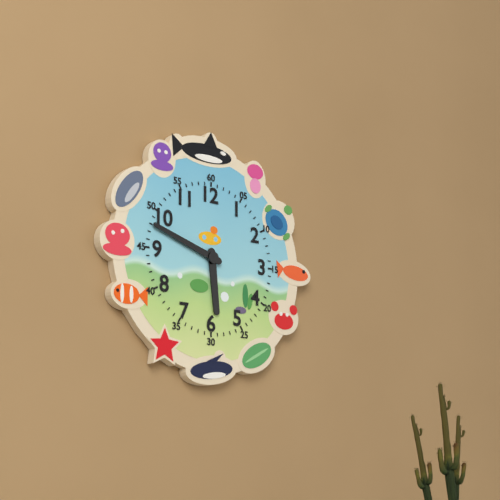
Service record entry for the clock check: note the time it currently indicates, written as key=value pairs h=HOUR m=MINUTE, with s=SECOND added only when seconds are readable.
h=5 m=48
